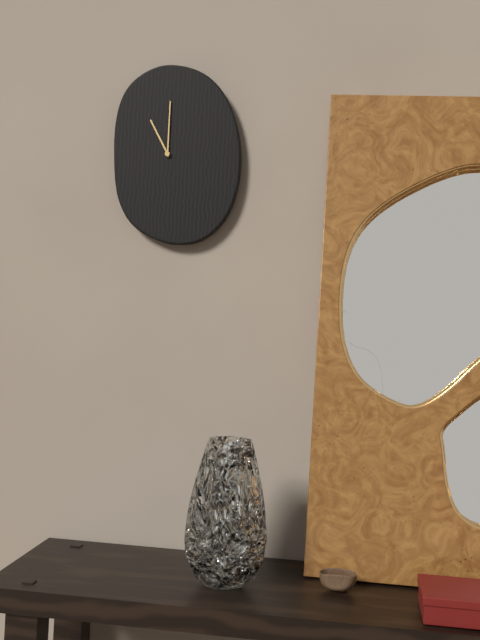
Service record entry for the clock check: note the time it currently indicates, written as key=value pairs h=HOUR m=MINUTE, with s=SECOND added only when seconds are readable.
h=11 m=0
